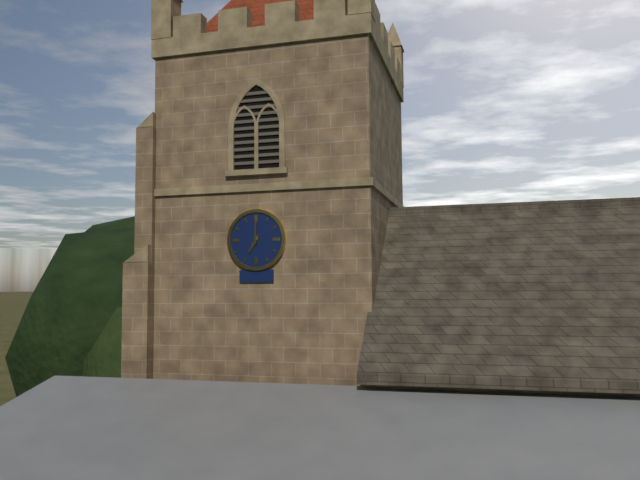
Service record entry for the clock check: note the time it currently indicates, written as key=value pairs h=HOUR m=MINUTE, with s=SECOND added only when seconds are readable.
h=7 m=0
